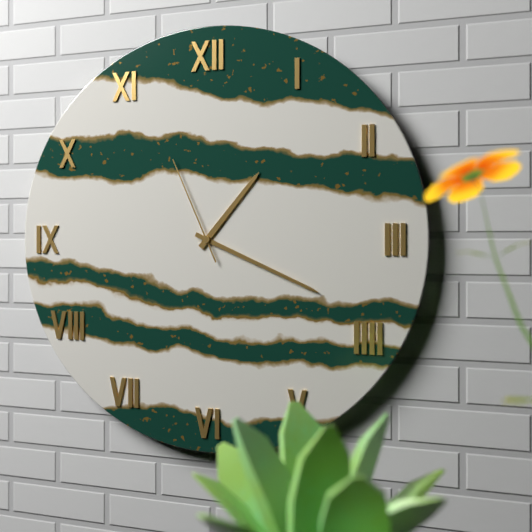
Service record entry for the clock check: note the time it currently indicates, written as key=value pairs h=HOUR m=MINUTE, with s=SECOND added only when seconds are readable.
h=1 m=19 s=56
